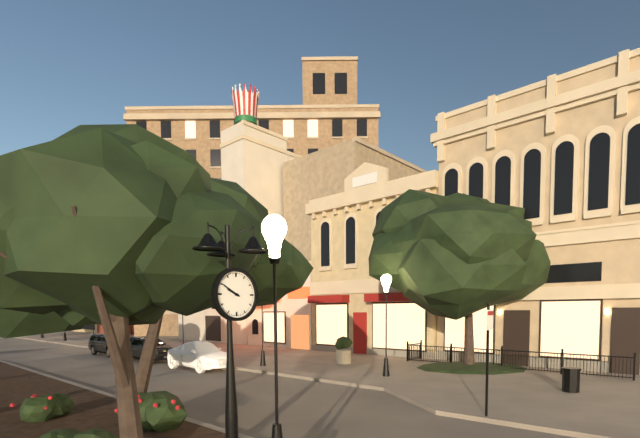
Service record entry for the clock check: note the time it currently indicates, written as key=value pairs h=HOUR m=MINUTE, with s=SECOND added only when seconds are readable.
h=9 m=50
